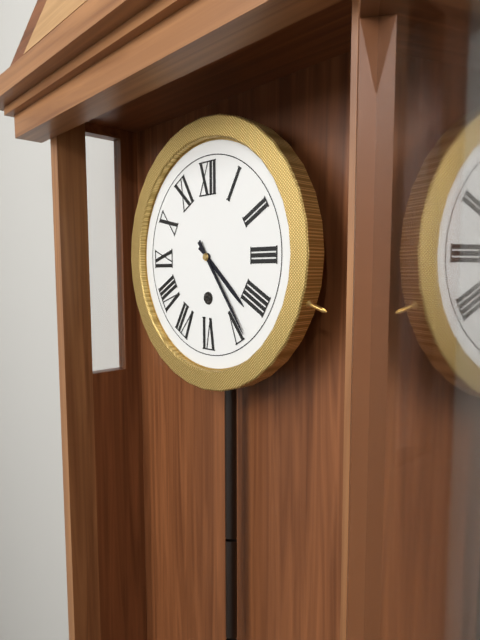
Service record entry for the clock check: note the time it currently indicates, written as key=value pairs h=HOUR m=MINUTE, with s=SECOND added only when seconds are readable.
h=4 m=24
